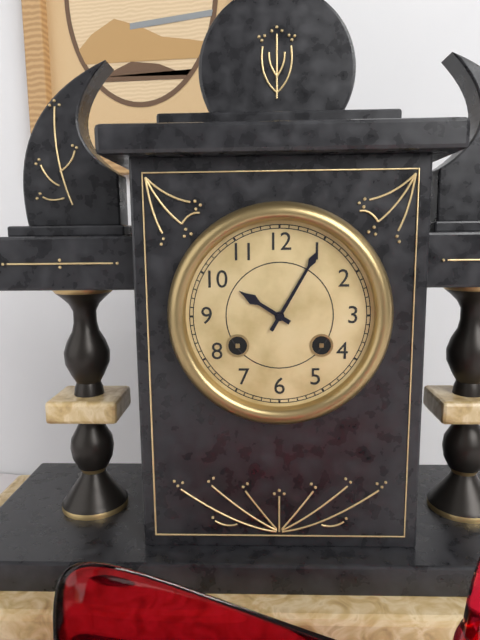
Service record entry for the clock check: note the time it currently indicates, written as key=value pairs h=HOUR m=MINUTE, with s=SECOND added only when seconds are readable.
h=10 m=5
